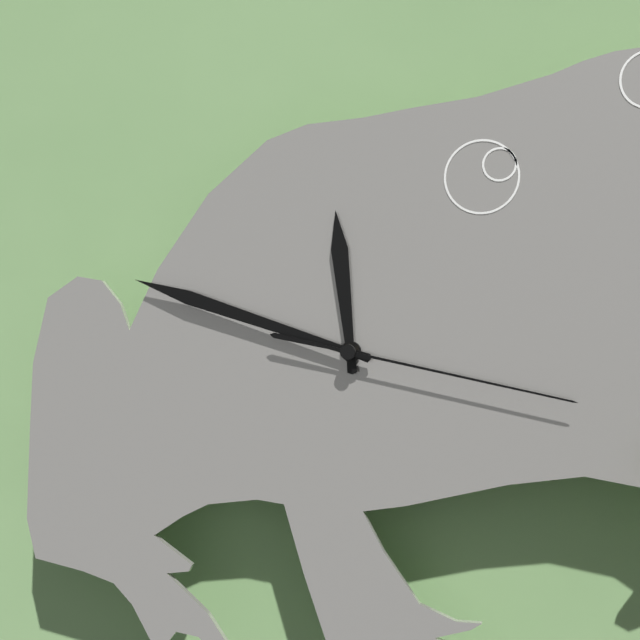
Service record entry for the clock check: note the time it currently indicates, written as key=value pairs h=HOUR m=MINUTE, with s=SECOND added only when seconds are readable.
h=11 m=48 s=17
